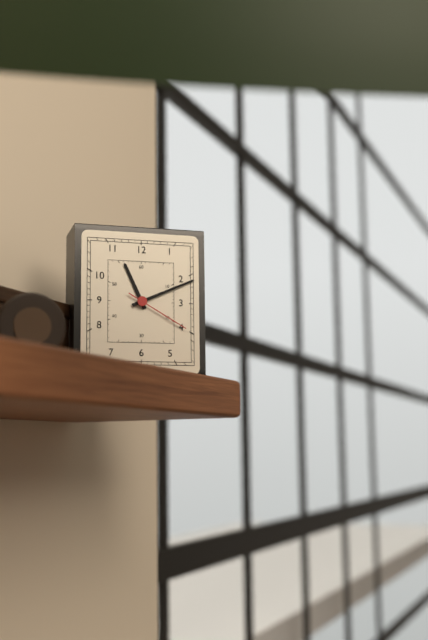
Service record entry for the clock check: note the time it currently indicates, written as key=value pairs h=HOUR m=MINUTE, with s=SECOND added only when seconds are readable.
h=11 m=11 s=20
